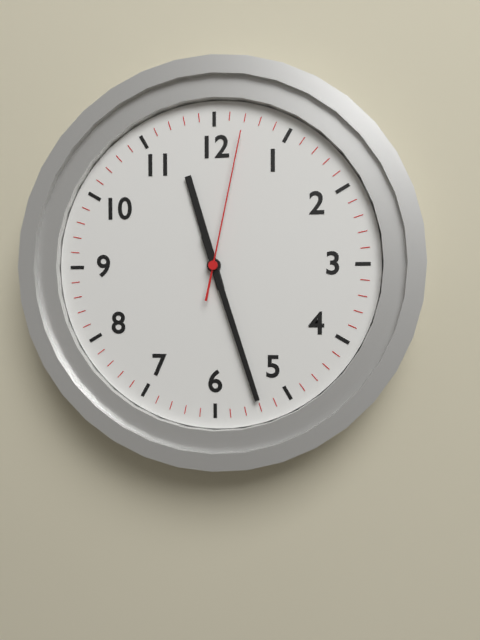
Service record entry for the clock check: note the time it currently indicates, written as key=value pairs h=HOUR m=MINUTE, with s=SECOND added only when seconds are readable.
h=11 m=27 s=2
